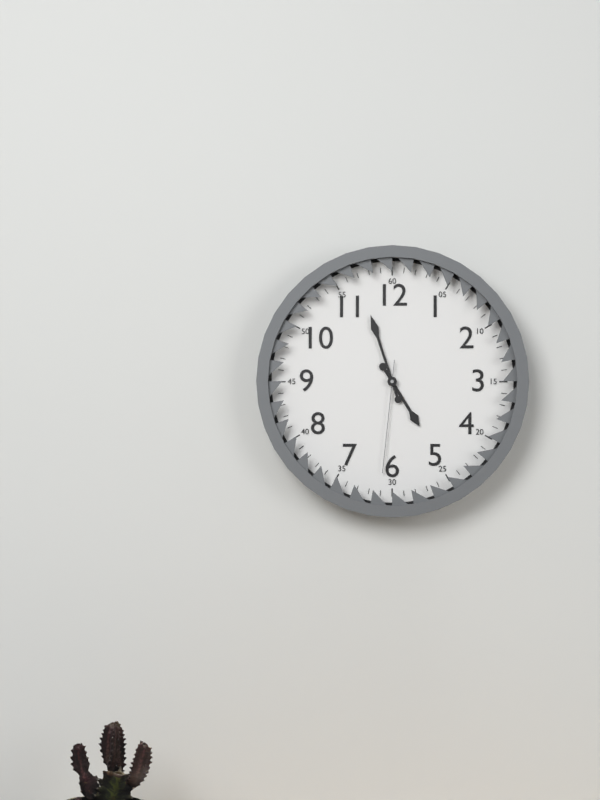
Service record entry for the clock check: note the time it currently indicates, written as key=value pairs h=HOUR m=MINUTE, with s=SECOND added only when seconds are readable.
h=4 m=57 s=31
